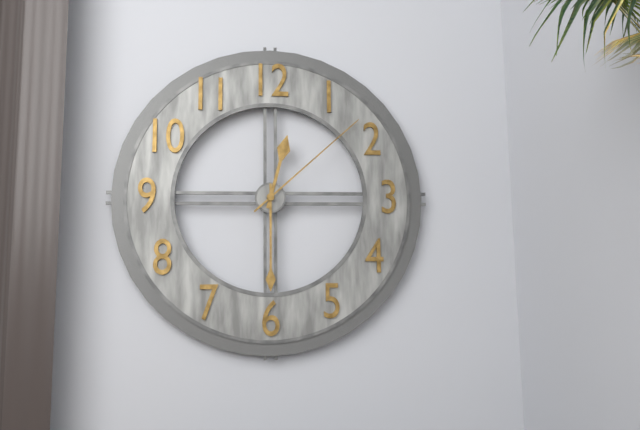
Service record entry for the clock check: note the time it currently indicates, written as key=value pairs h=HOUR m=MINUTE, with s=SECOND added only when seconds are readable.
h=12 m=30 s=8
